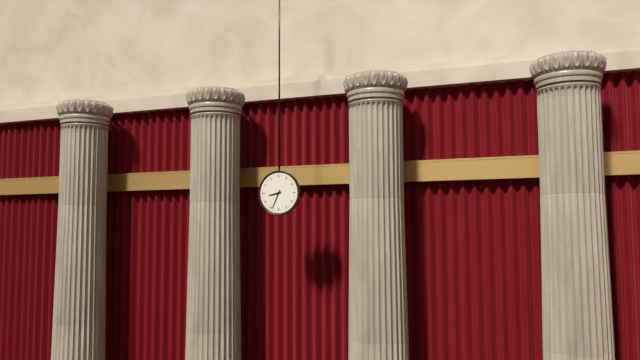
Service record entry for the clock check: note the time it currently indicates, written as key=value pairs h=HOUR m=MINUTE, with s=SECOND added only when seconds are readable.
h=8 m=34
